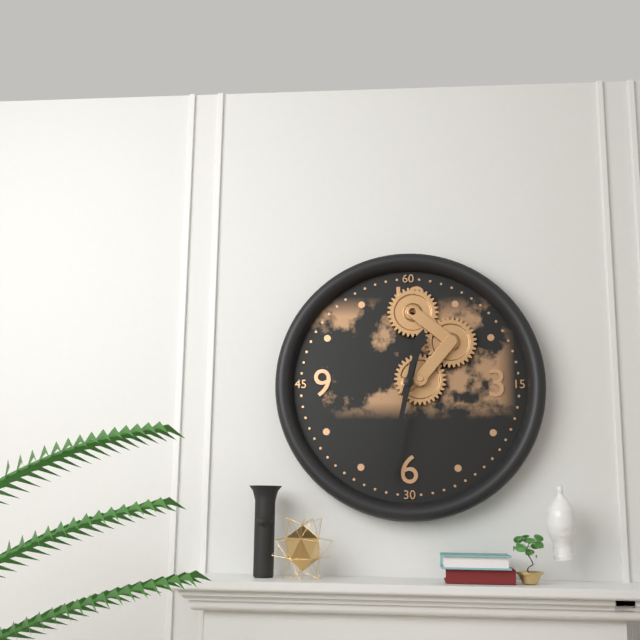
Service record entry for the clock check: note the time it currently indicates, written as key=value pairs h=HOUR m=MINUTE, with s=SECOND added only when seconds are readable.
h=12 m=32
